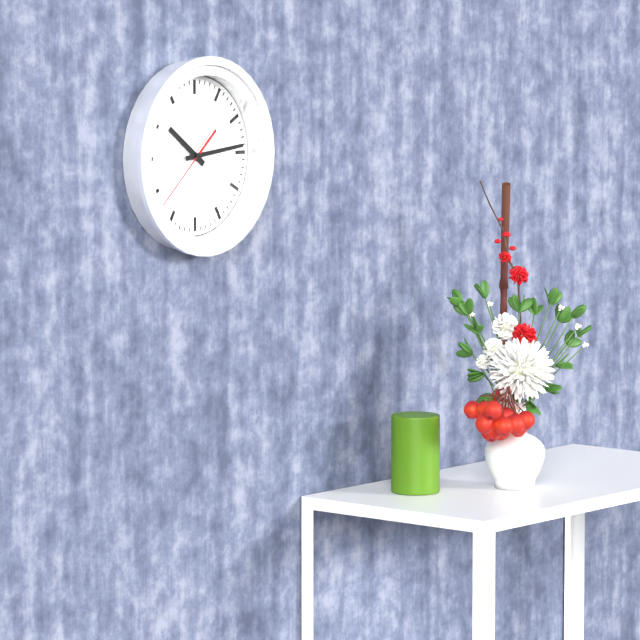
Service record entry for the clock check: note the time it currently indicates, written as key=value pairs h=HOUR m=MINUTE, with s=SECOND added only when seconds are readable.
h=10 m=14 s=38
